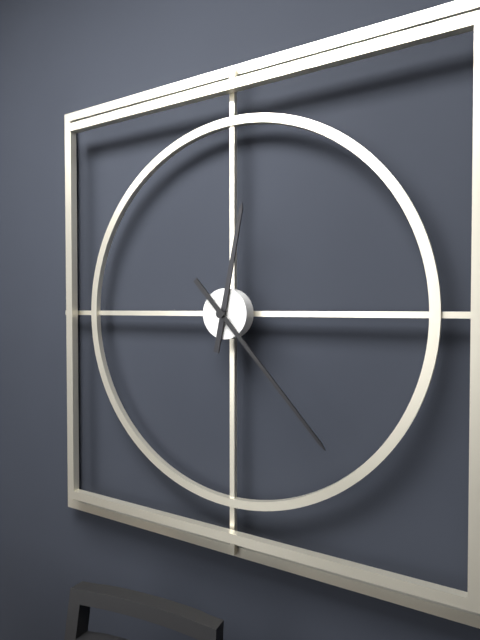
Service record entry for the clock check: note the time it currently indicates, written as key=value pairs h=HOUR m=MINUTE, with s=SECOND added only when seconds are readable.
h=12 m=23
